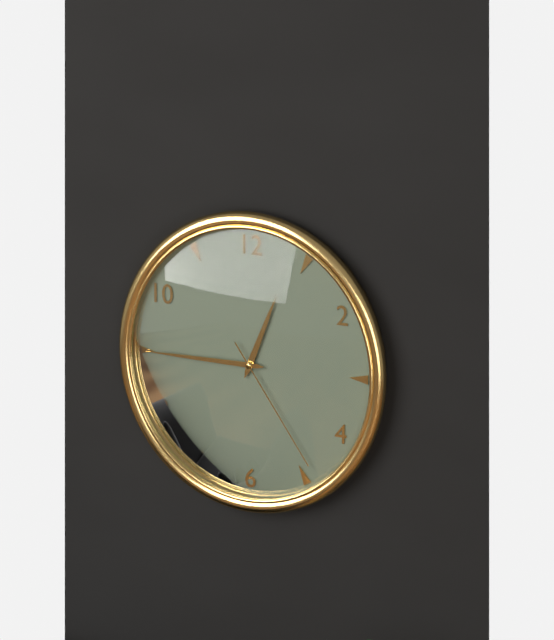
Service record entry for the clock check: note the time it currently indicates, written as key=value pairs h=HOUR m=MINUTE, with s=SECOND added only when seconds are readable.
h=12 m=45 s=24
